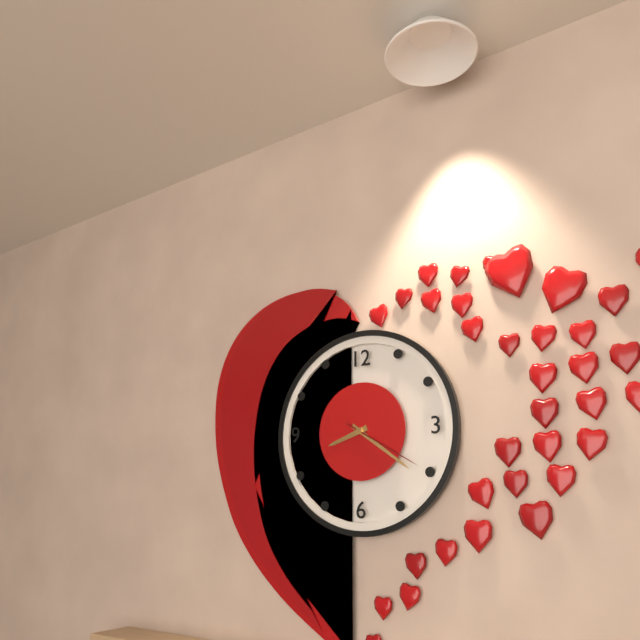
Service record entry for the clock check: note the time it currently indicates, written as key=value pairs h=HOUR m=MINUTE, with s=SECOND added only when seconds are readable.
h=8 m=21 s=20
